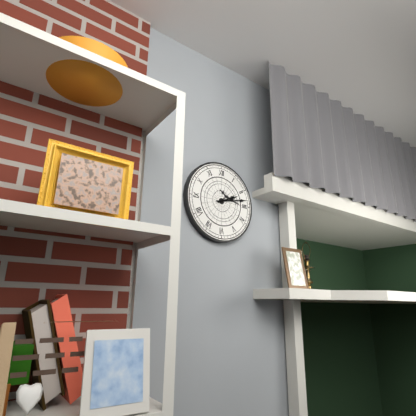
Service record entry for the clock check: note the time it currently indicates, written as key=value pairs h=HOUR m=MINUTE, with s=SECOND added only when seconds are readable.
h=2 m=13
